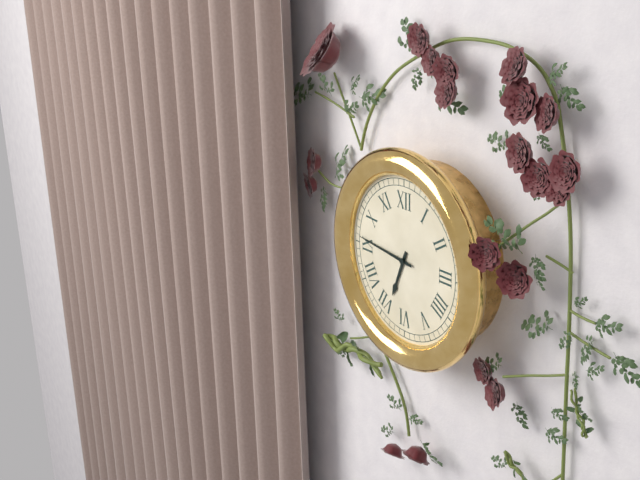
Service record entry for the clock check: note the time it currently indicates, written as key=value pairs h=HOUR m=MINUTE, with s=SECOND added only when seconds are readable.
h=6 m=46
